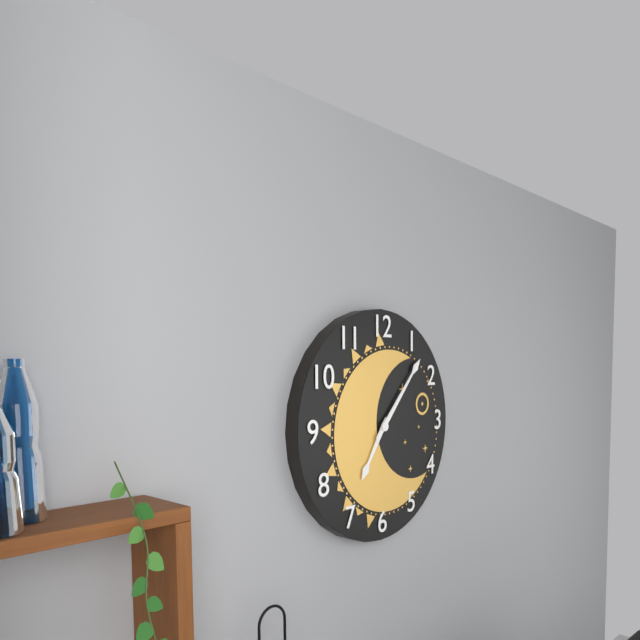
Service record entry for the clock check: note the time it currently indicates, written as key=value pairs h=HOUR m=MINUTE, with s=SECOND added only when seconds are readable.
h=7 m=7
